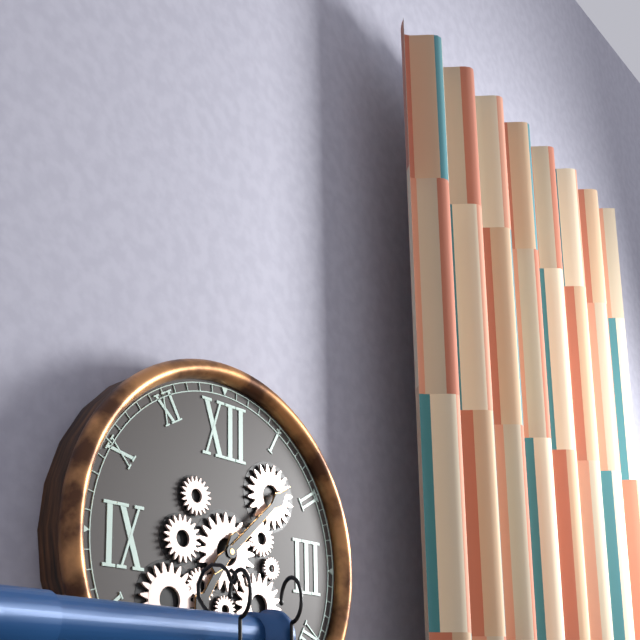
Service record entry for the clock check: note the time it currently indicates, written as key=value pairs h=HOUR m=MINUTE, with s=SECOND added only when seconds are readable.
h=7 m=8
